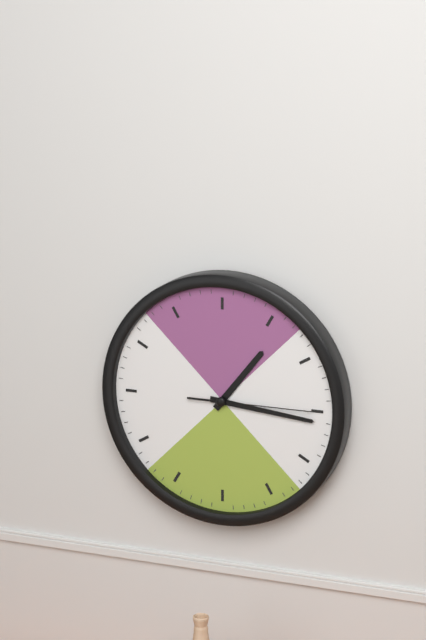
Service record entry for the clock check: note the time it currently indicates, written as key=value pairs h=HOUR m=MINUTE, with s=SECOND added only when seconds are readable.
h=1 m=16 s=15
